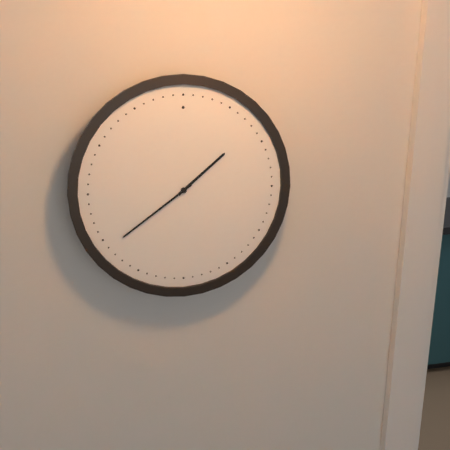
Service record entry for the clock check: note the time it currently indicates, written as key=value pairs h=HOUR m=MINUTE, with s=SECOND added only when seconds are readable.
h=1 m=39
